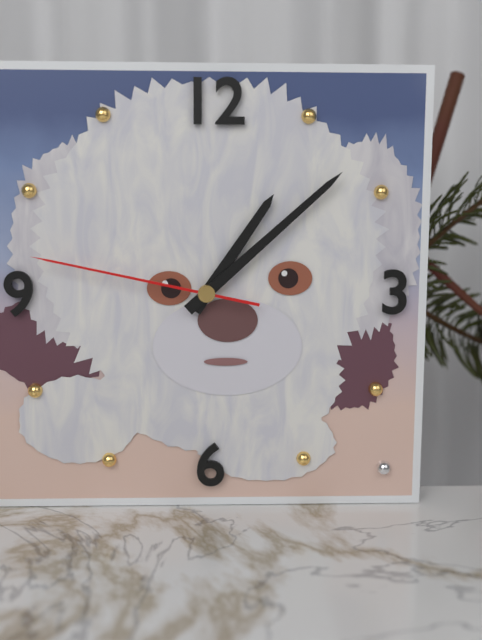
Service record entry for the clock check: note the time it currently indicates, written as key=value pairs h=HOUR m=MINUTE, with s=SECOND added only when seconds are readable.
h=1 m=8 s=47
